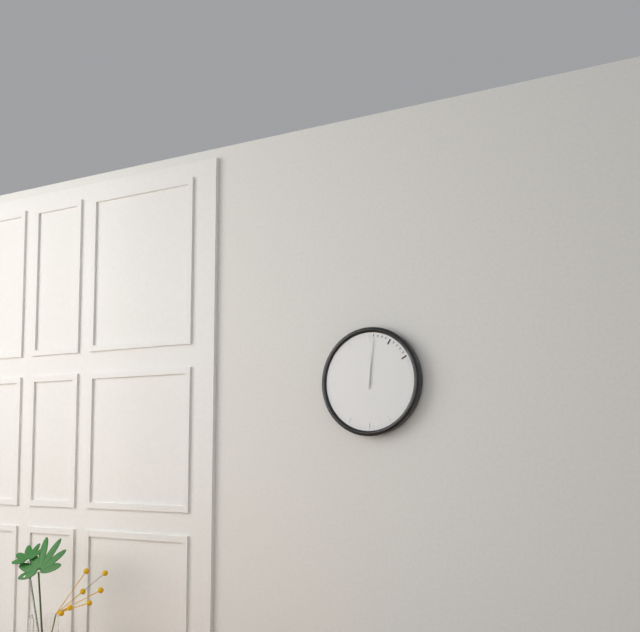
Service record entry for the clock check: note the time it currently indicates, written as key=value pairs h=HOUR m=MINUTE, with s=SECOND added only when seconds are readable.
h=12 m=1
